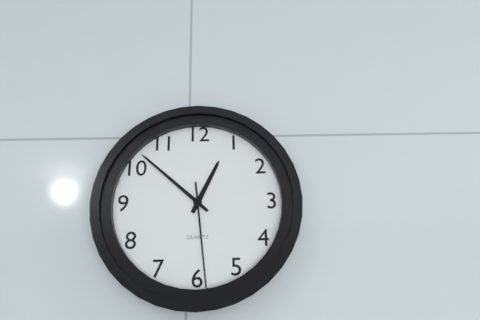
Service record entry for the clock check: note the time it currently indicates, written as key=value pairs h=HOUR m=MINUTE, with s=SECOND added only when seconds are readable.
h=12 m=52 s=29
